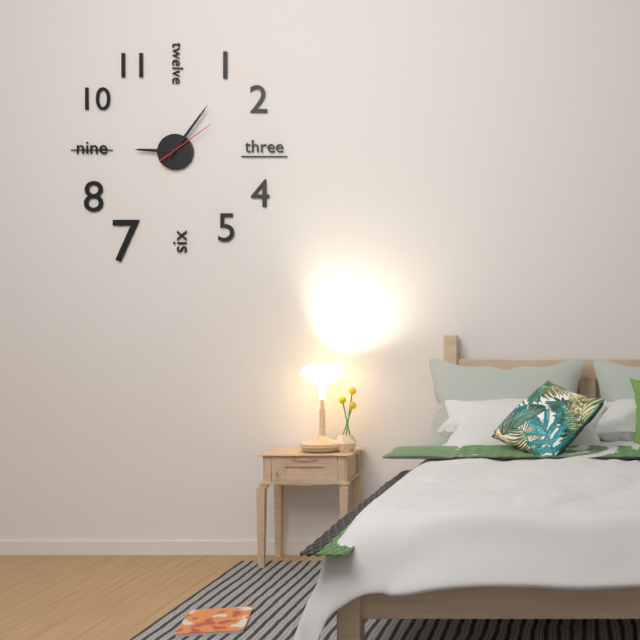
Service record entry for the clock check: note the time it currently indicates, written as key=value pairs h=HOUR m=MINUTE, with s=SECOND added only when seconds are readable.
h=9 m=6 s=9
